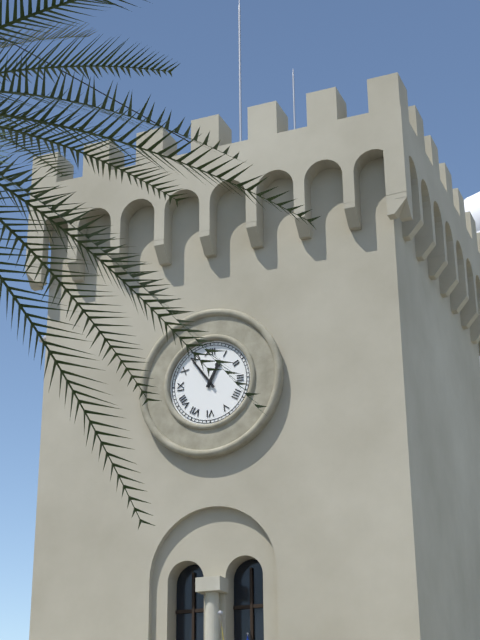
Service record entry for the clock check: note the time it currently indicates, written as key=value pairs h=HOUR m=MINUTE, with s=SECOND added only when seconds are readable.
h=12 m=54
